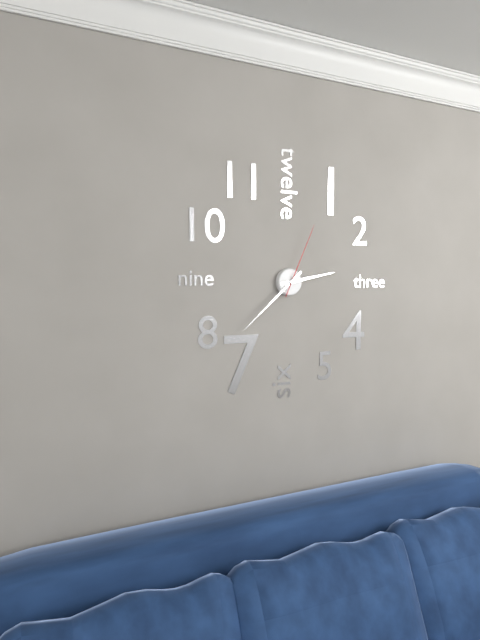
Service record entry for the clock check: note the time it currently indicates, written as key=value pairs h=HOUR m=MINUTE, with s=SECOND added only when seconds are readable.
h=2 m=38 s=4
